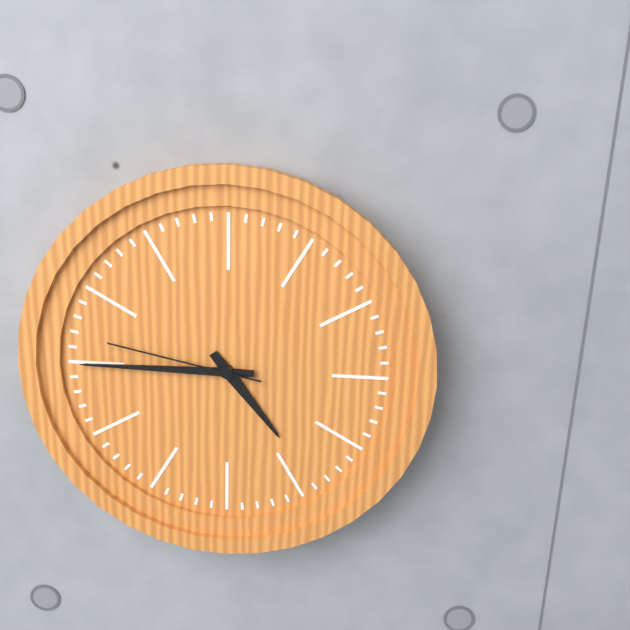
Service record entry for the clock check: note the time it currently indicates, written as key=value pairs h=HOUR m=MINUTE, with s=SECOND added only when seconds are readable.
h=4 m=45 s=47
